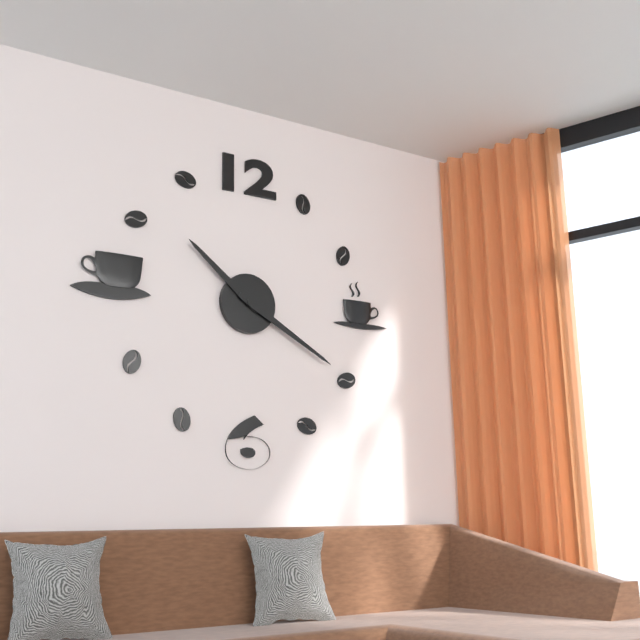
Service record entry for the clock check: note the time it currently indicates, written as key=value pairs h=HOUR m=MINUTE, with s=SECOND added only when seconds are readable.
h=10 m=20
